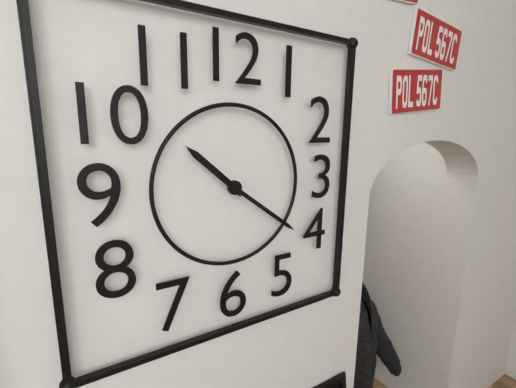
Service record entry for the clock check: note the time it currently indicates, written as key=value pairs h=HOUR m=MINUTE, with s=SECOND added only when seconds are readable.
h=10 m=21
